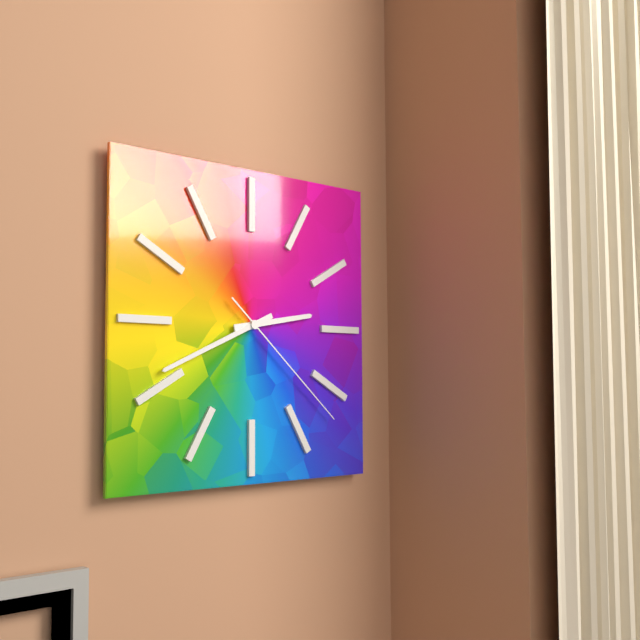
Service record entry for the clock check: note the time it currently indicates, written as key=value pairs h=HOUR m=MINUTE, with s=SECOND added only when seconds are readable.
h=2 m=41 s=22
